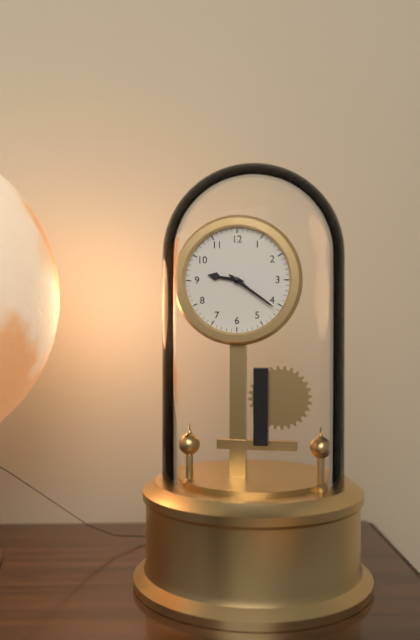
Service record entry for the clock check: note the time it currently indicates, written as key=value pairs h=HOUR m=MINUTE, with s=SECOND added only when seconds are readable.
h=9 m=21
